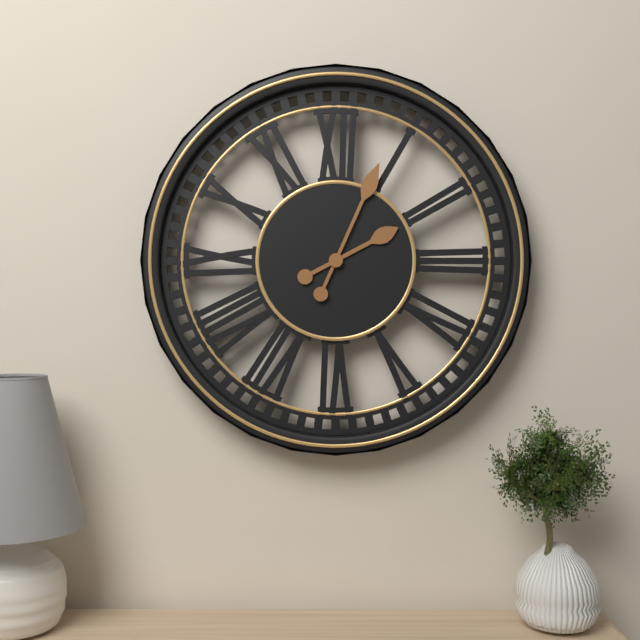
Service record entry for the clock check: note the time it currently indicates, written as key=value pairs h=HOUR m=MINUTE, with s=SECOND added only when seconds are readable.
h=2 m=4
